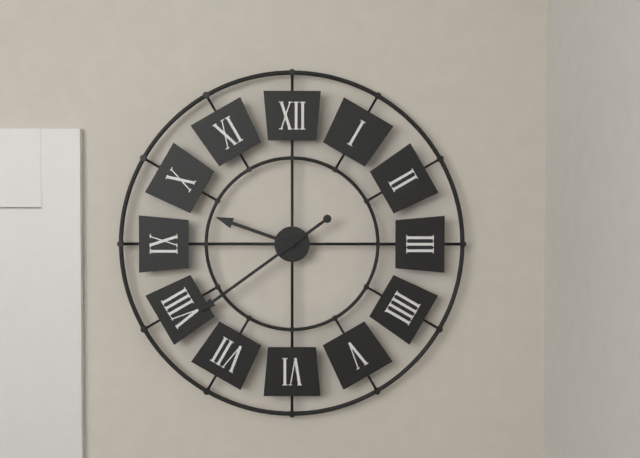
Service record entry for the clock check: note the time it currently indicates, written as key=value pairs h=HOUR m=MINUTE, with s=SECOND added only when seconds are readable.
h=9 m=39
